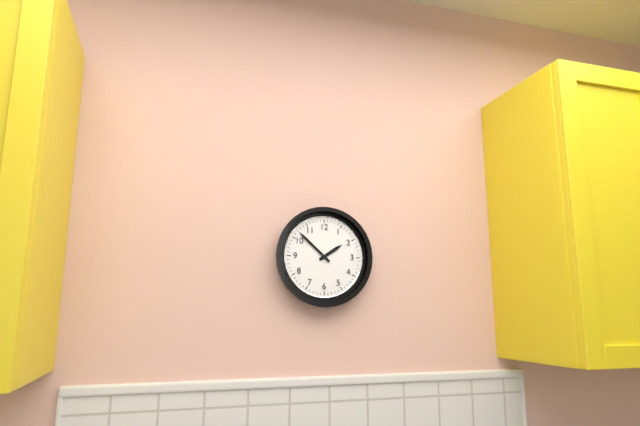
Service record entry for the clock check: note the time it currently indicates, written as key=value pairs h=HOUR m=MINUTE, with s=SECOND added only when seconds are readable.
h=1 m=52
